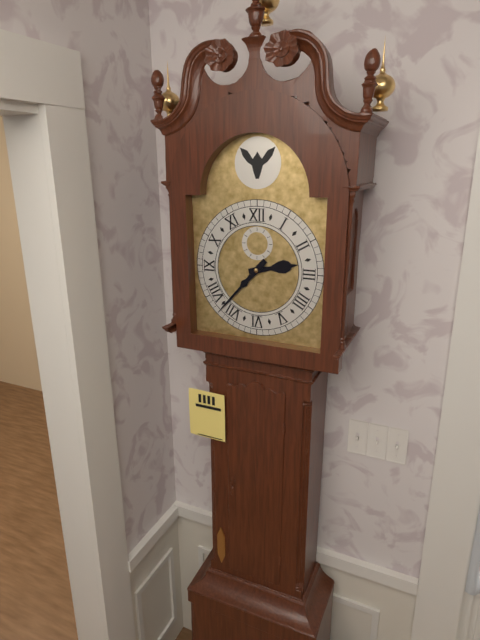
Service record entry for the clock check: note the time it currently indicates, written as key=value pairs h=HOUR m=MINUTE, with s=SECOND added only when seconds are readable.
h=2 m=37
